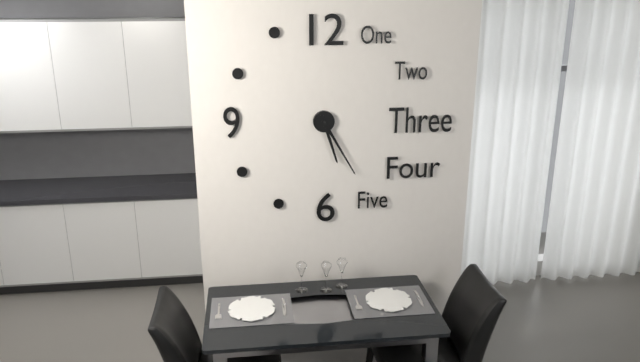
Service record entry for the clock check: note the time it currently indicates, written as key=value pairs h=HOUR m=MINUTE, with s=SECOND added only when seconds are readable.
h=5 m=25
